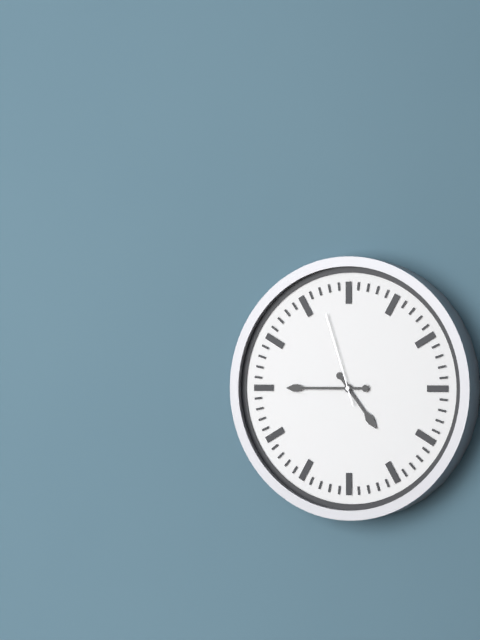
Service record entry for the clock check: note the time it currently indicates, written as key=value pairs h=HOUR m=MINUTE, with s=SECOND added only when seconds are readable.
h=4 m=45 s=57
